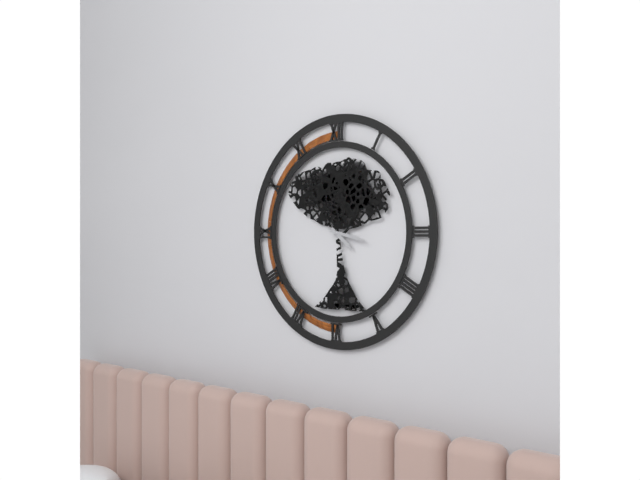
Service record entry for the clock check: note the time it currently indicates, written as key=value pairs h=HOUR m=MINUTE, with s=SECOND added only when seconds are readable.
h=4 m=17
